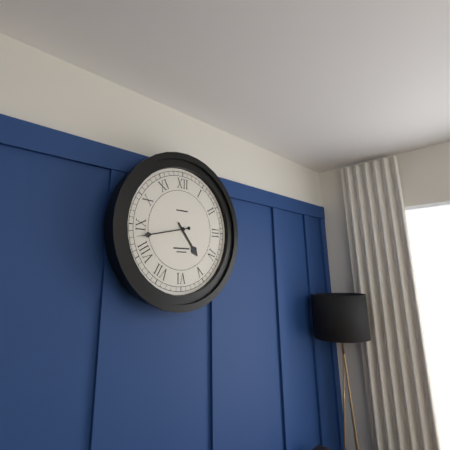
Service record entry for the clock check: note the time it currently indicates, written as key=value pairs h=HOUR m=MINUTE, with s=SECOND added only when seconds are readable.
h=4 m=43
